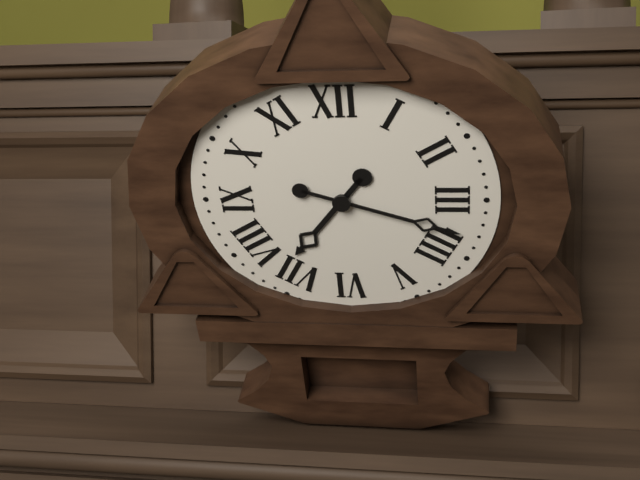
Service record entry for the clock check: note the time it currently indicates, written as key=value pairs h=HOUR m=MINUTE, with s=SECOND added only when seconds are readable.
h=7 m=18
